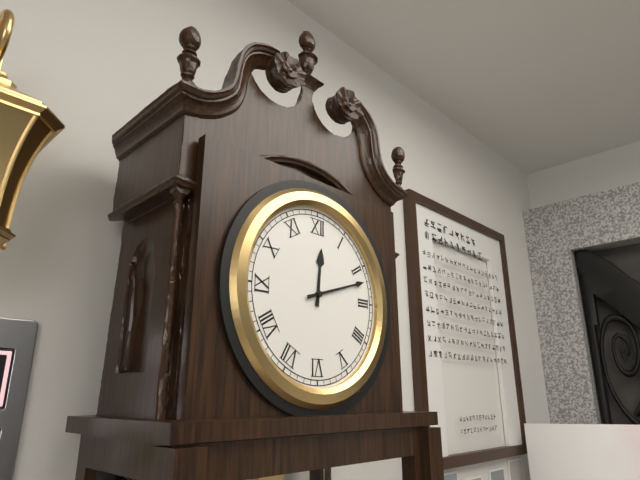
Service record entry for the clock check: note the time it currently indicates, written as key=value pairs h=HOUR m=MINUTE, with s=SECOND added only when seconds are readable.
h=12 m=12
